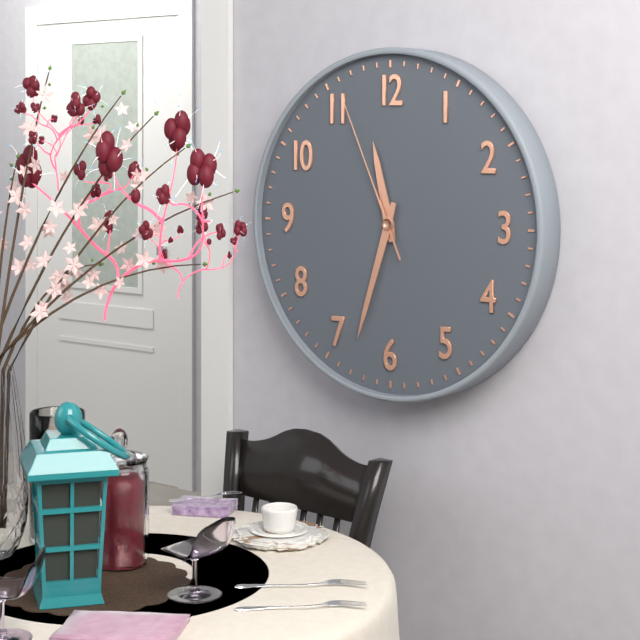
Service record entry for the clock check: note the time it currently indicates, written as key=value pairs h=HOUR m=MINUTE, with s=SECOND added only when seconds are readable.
h=11 m=33 s=56
